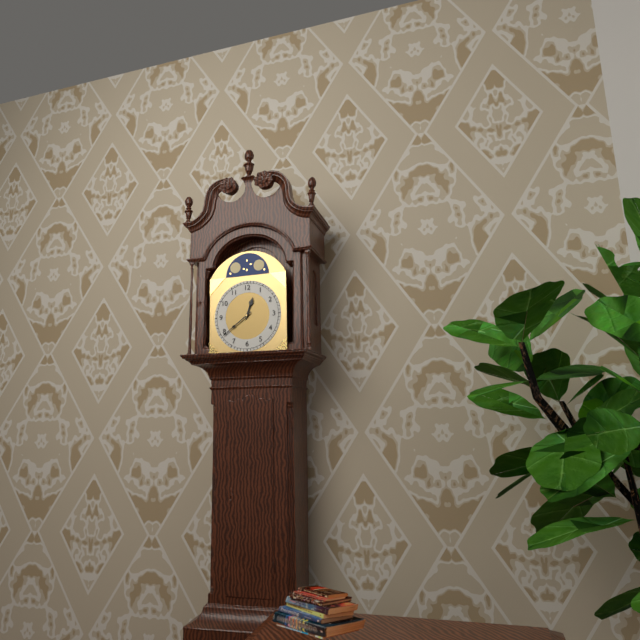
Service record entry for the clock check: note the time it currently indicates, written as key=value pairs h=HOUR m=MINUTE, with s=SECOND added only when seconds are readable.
h=12 m=39
